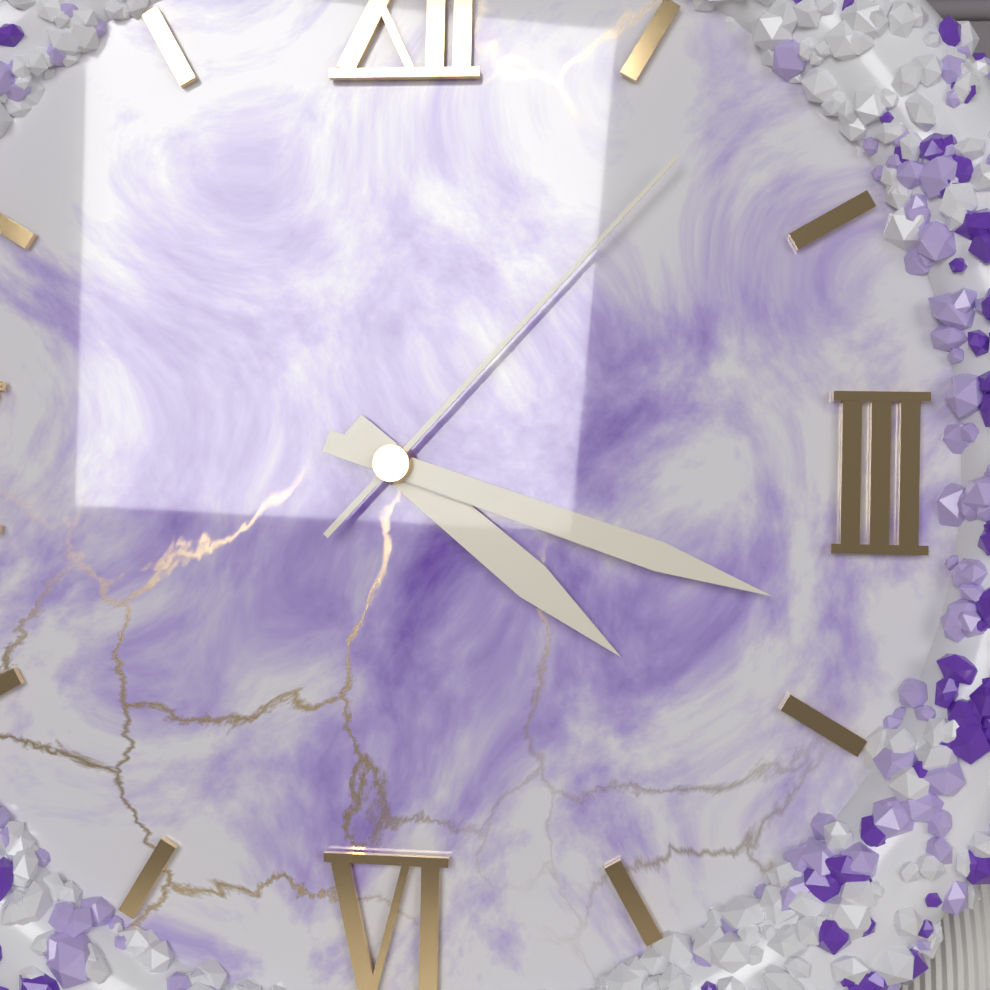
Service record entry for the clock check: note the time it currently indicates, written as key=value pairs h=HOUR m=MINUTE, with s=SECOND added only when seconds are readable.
h=4 m=18 s=7
